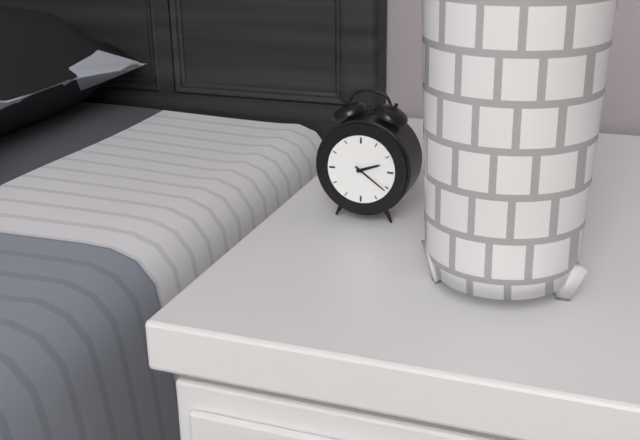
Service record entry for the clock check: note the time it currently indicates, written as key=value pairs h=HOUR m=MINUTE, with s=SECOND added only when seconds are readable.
h=2 m=21
